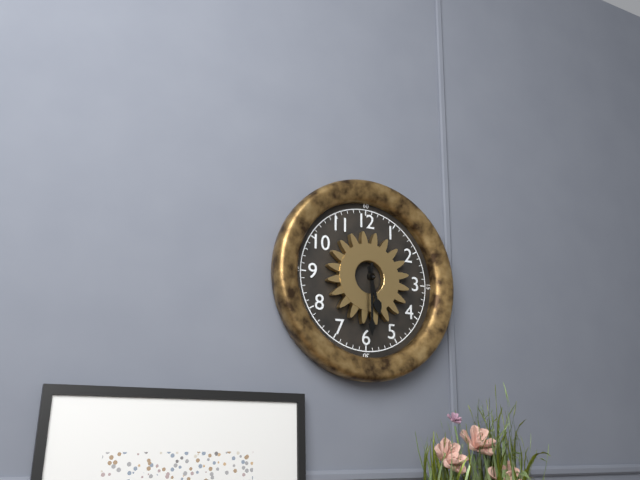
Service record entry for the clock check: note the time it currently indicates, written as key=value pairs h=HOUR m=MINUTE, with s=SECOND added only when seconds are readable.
h=5 m=30
